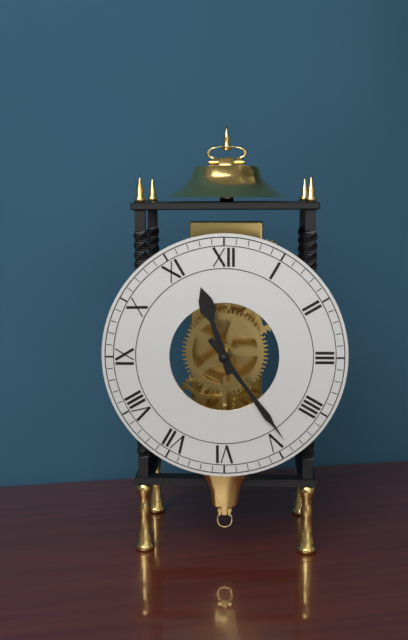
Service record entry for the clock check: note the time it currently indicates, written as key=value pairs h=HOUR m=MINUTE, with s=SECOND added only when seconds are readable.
h=11 m=24
